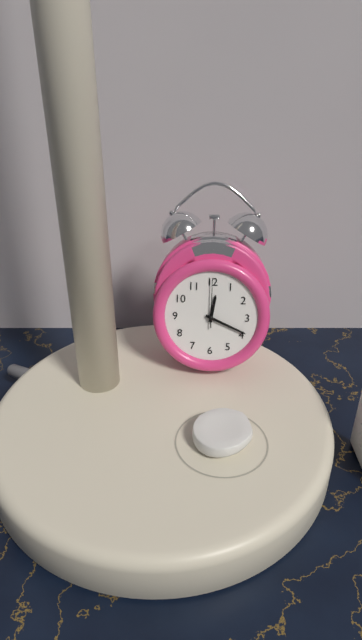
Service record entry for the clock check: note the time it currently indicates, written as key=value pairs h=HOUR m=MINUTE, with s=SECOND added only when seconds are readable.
h=12 m=19 s=0
